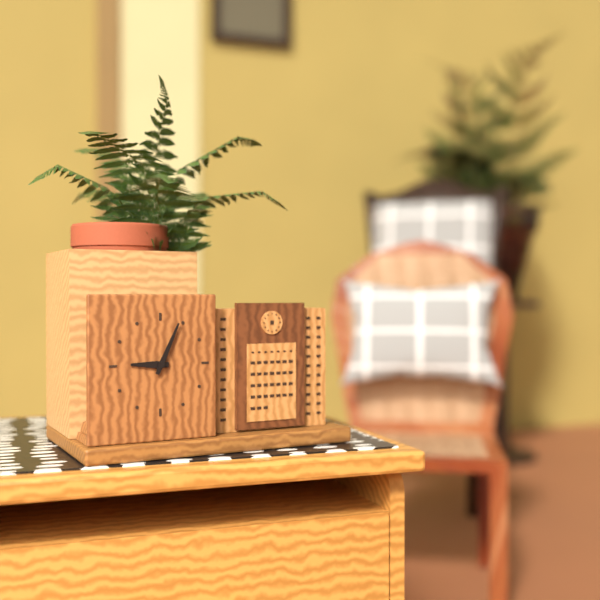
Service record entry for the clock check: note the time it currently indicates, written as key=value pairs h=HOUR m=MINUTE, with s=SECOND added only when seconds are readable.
h=9 m=4
